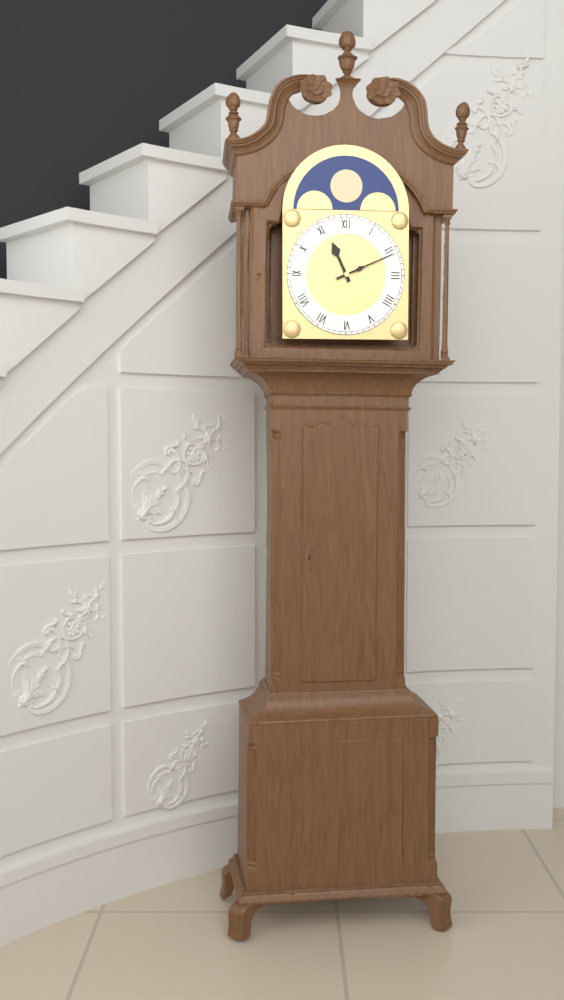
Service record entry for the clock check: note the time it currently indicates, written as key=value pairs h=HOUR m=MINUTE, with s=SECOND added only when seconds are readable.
h=11 m=11
